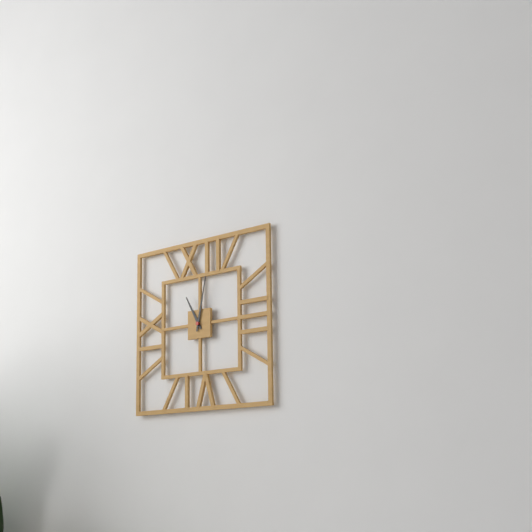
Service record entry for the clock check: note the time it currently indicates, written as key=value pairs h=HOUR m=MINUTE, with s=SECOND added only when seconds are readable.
h=11 m=2
